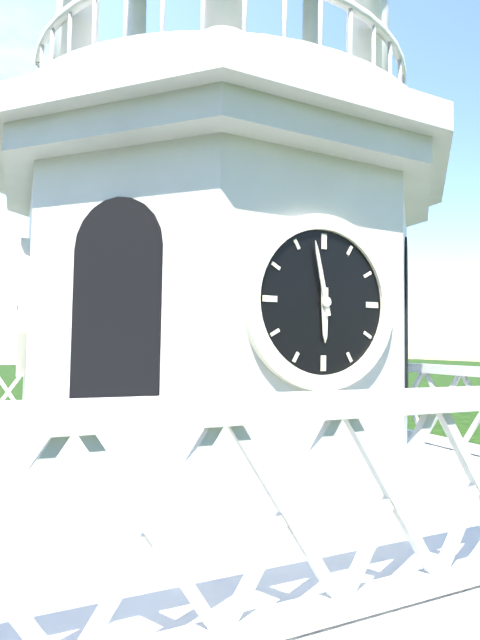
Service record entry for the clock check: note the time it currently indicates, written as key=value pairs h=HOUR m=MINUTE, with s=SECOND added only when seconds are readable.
h=5 m=58
